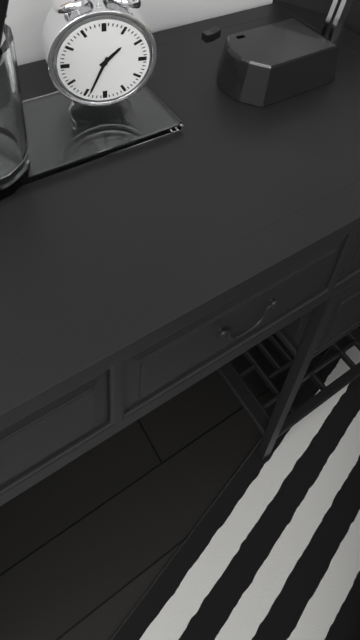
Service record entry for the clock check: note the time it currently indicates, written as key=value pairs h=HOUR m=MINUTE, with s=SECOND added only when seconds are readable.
h=1 m=34
